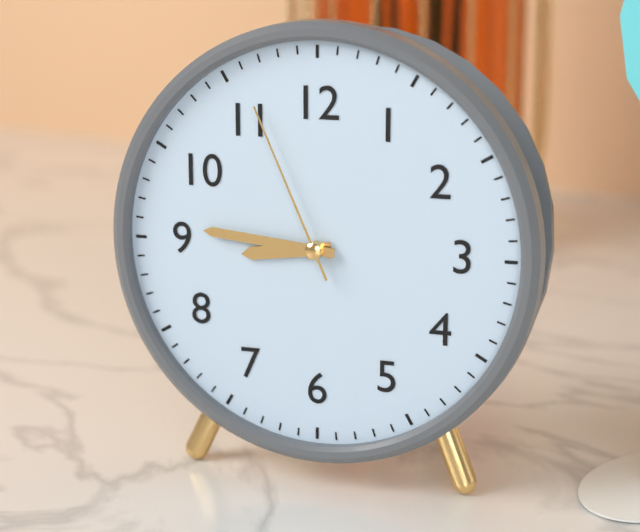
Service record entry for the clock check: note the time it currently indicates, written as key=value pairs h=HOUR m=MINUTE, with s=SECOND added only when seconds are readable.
h=8 m=46 s=56
